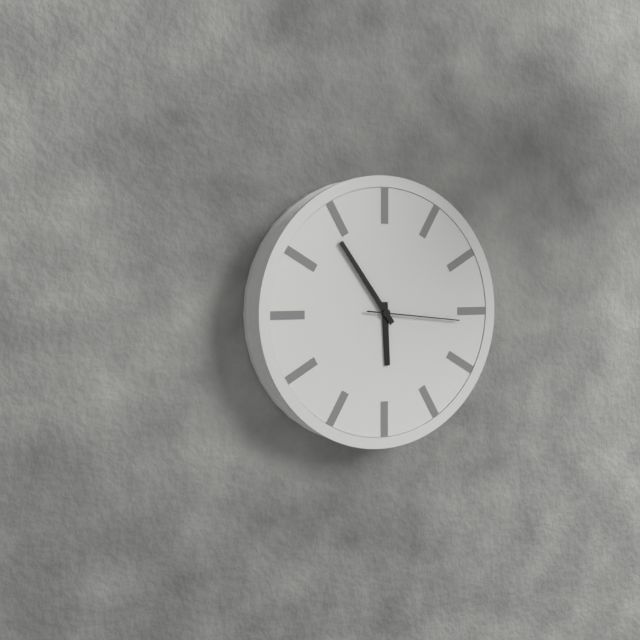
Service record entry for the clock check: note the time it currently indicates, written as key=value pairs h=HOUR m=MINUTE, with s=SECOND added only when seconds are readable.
h=5 m=54 s=16
